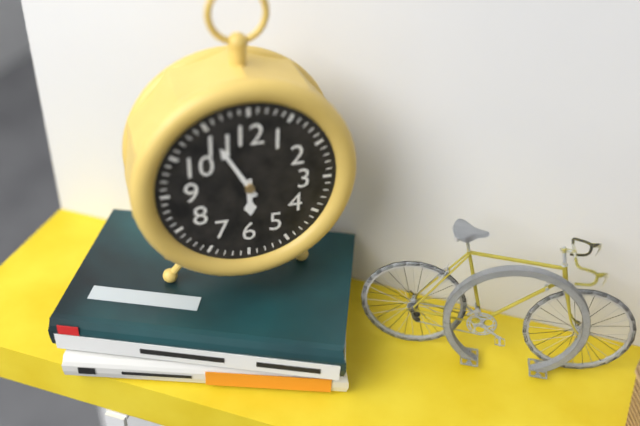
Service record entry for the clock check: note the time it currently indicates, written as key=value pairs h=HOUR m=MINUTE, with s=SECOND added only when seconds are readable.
h=5 m=55
